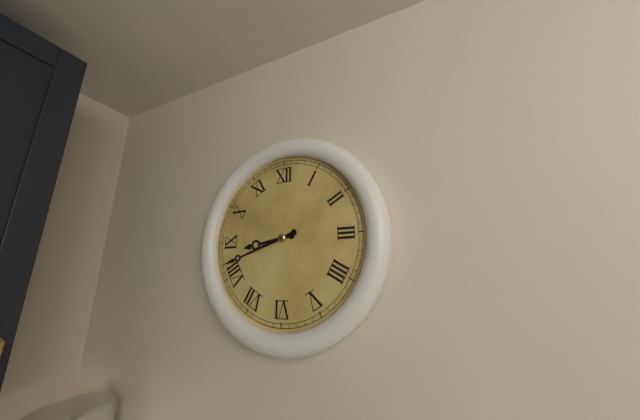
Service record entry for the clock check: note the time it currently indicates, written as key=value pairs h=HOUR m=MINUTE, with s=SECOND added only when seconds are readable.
h=8 m=42
